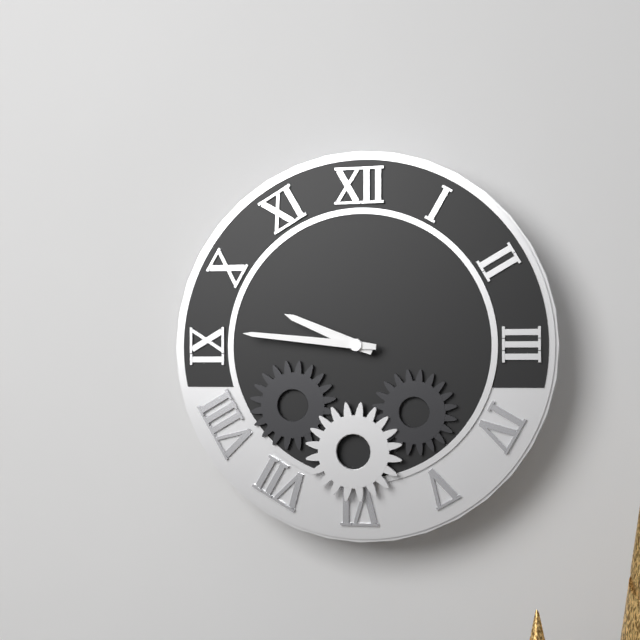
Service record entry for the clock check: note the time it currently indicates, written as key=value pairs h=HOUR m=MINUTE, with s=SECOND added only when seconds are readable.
h=9 m=46
